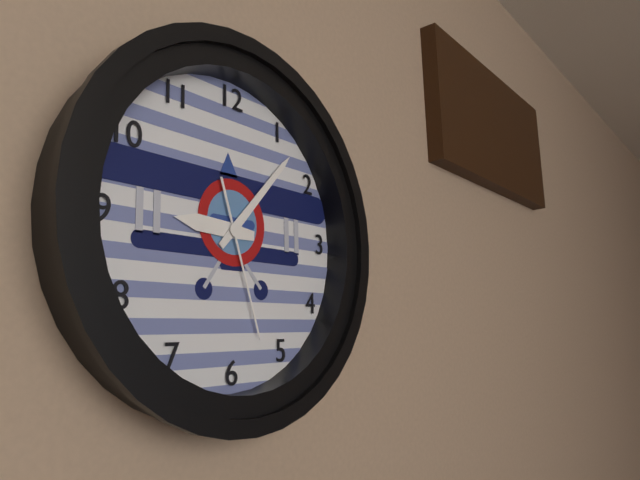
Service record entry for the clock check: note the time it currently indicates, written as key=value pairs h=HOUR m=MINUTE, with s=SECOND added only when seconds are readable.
h=9 m=7 s=27
